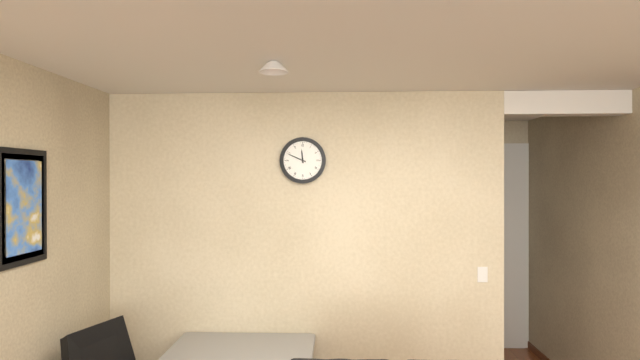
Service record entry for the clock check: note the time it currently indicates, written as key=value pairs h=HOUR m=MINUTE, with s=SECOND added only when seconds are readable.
h=11 m=49
